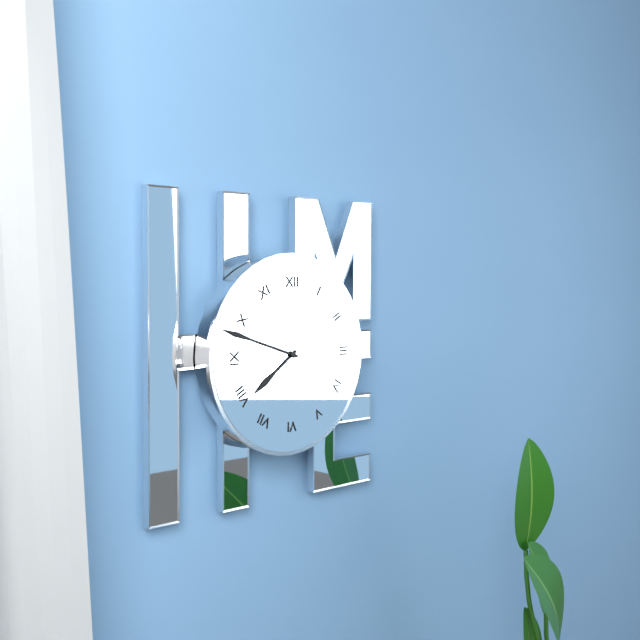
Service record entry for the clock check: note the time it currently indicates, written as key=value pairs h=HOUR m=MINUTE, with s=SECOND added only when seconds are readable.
h=7 m=48
